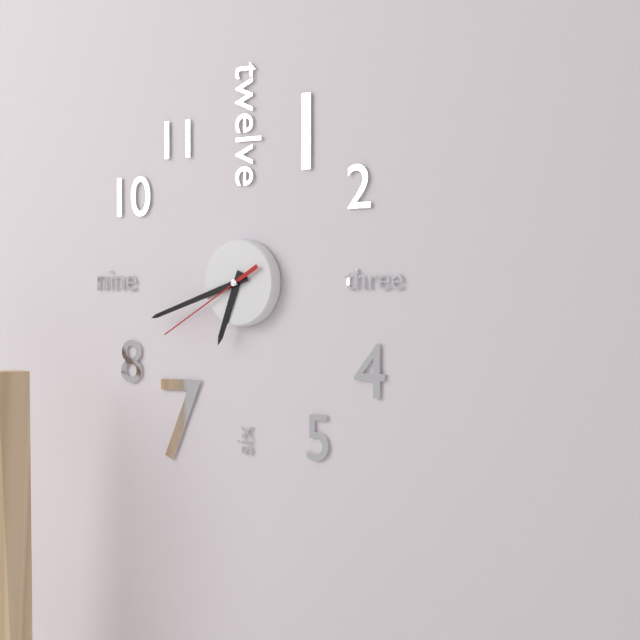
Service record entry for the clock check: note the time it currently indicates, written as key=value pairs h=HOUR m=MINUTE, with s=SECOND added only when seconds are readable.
h=6 m=42 s=40
